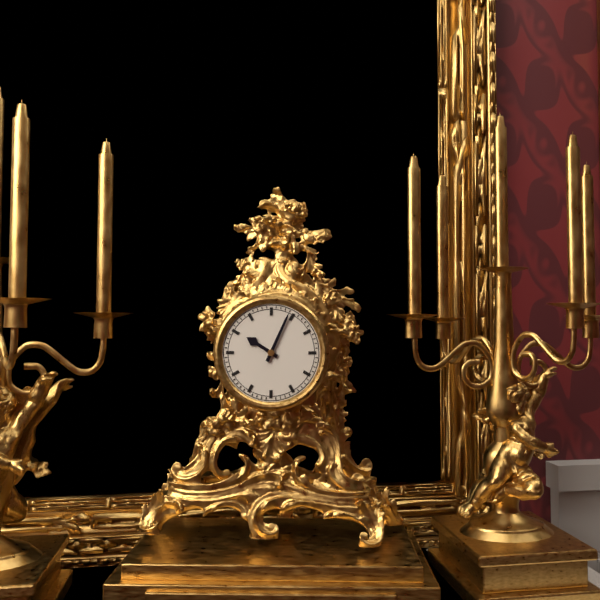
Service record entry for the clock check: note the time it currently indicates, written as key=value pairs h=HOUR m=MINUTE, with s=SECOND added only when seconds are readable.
h=10 m=4
